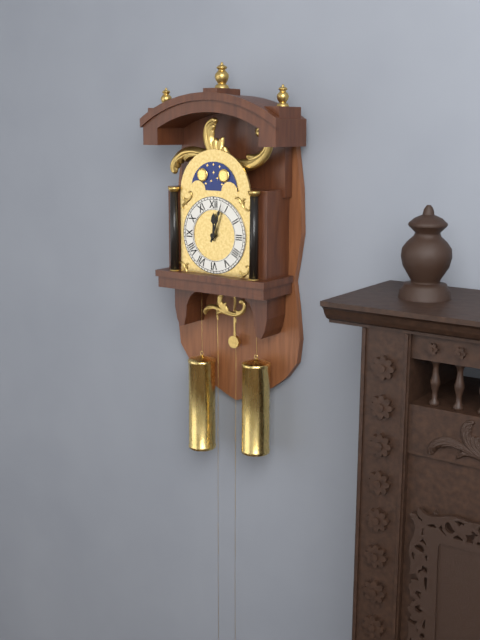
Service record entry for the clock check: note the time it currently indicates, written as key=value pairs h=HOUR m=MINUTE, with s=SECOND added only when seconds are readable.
h=12 m=3
